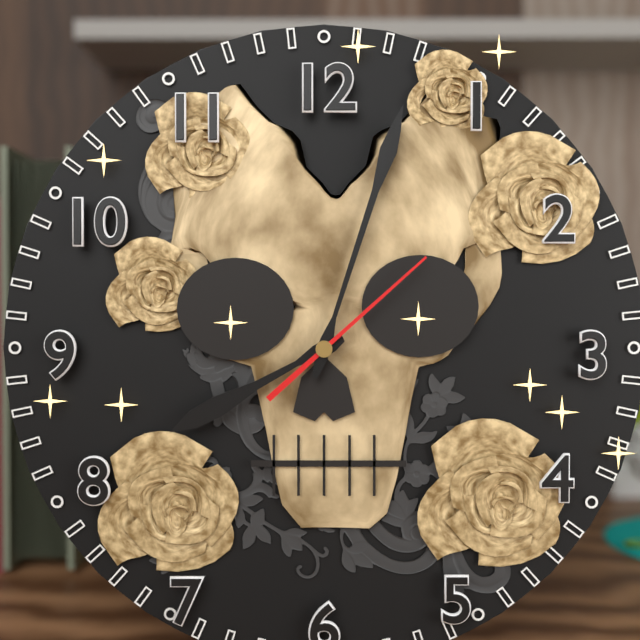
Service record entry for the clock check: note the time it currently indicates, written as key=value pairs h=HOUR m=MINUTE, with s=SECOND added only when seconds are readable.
h=8 m=3 s=8
